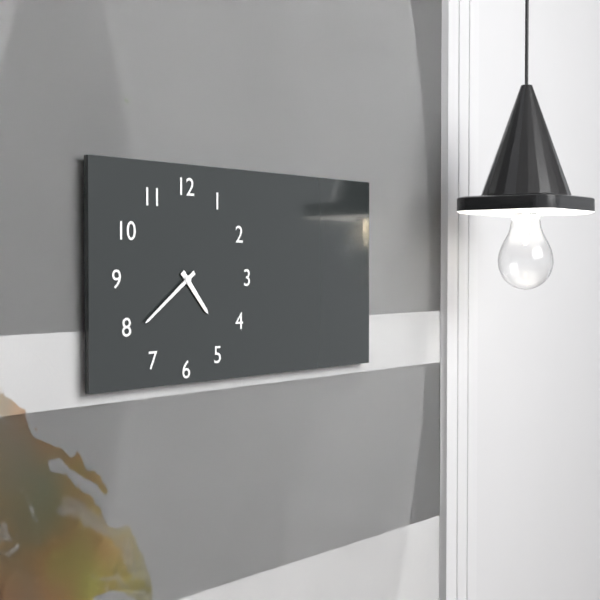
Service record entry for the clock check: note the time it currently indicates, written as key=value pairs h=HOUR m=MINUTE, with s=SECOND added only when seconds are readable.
h=4 m=39
